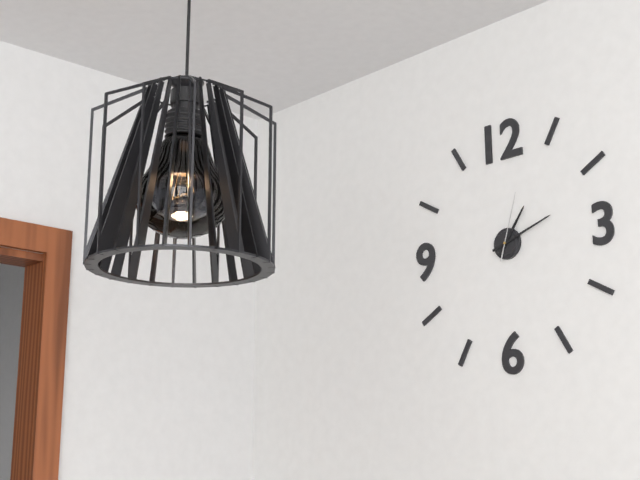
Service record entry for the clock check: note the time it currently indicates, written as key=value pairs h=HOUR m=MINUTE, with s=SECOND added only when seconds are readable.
h=1 m=12 s=3
